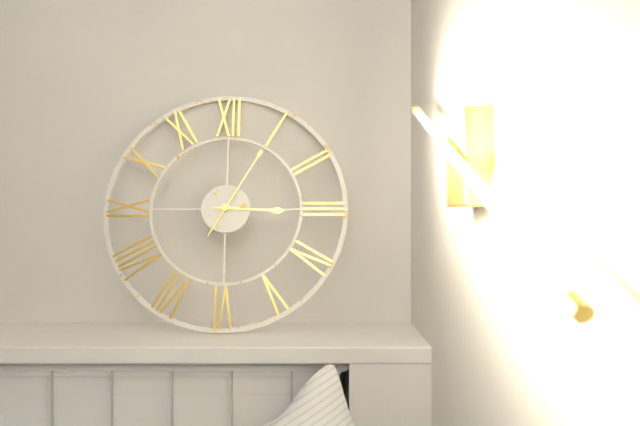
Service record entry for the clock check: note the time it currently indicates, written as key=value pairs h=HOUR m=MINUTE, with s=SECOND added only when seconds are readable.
h=3 m=5
